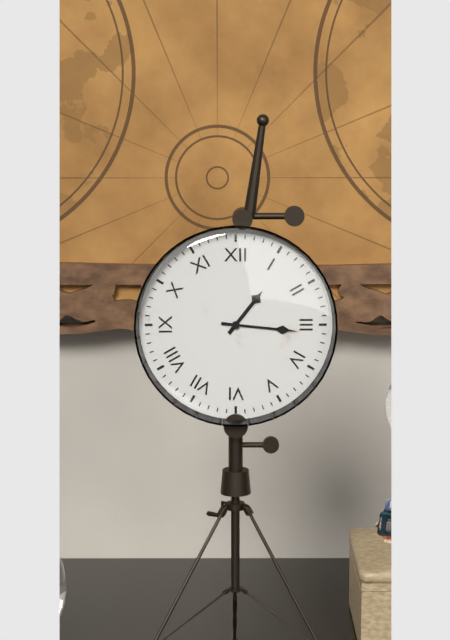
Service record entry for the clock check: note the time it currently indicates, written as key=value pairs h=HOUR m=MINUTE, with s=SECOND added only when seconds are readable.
h=1 m=16
